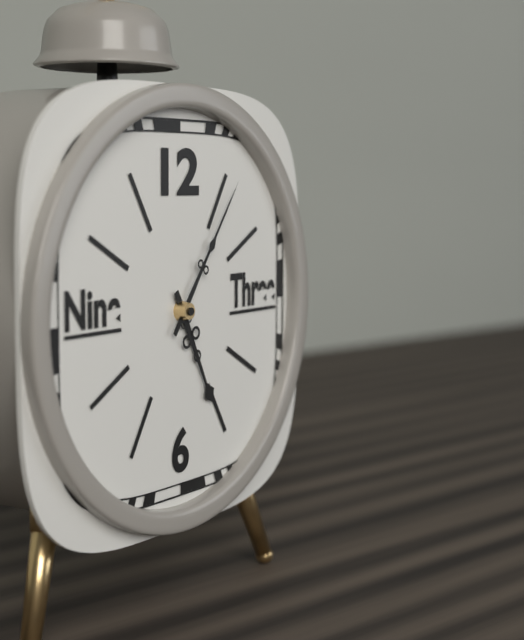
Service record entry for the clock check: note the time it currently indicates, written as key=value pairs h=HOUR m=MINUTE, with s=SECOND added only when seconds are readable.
h=5 m=6
